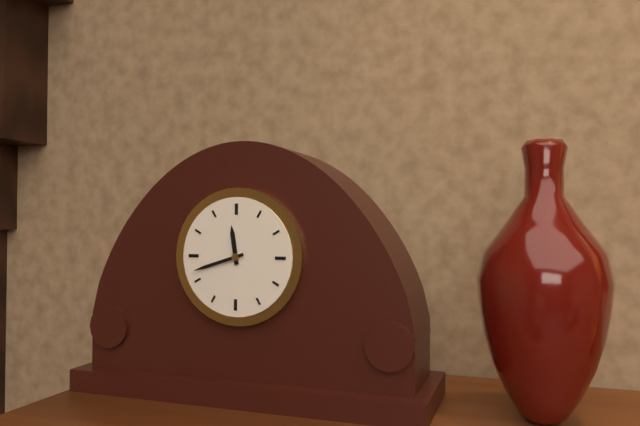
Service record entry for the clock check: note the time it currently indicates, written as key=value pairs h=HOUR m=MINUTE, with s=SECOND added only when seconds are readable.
h=11 m=42
